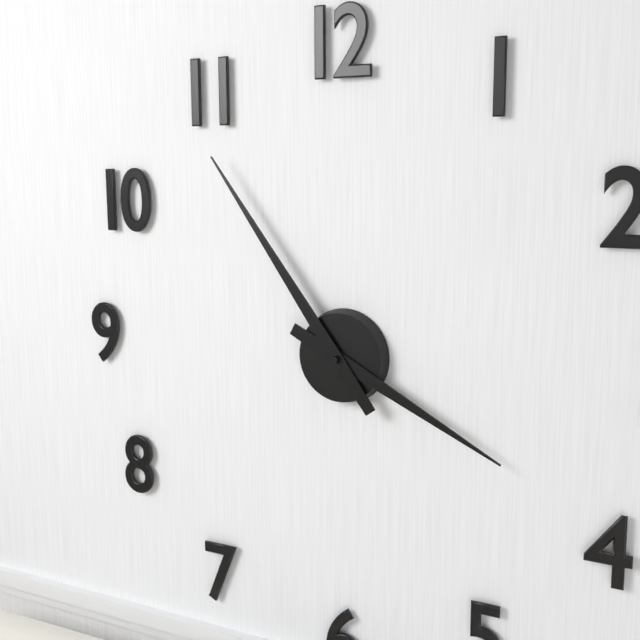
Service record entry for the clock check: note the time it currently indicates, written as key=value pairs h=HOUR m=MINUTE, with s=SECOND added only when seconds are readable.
h=3 m=54
